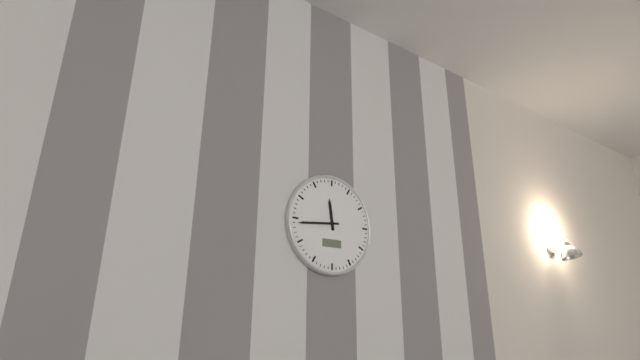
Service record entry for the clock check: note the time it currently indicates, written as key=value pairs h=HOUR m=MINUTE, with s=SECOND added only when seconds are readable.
h=11 m=44
